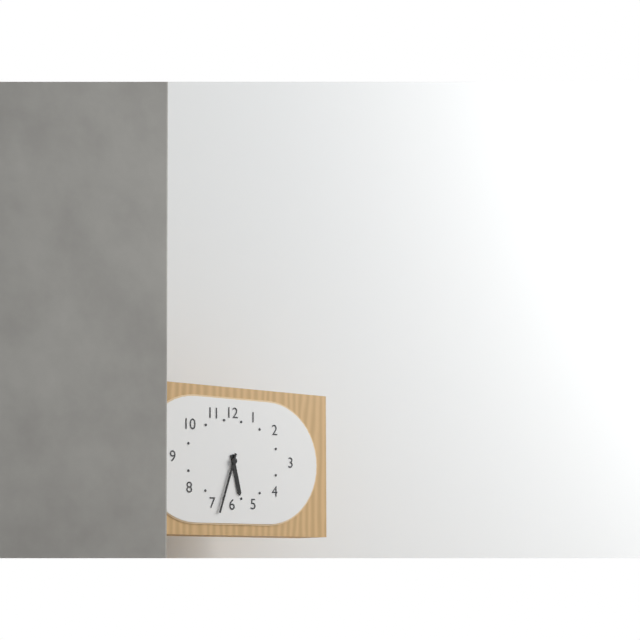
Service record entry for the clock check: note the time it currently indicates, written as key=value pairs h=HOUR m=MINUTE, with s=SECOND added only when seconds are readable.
h=5 m=33
